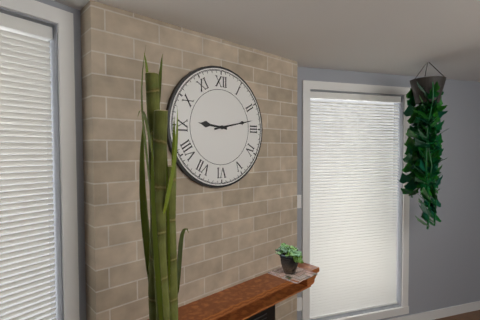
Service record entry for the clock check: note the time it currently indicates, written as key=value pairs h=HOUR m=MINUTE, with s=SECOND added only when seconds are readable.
h=9 m=13
